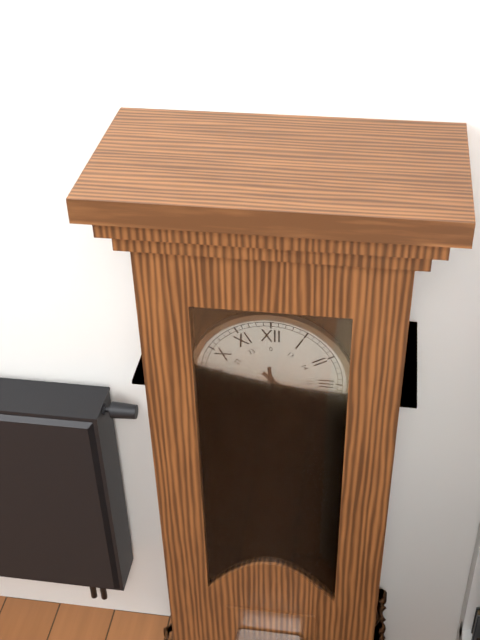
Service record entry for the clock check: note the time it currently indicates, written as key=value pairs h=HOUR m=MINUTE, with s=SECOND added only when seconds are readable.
h=4 m=29
